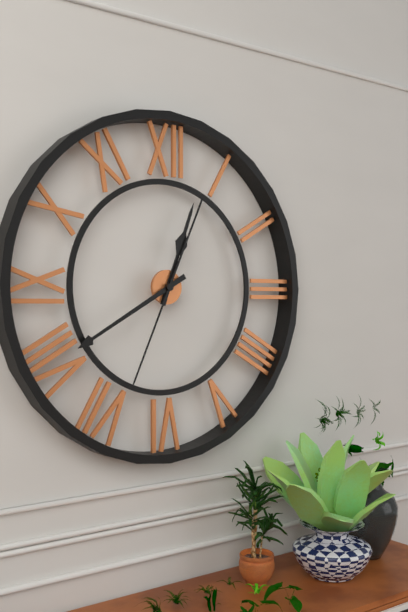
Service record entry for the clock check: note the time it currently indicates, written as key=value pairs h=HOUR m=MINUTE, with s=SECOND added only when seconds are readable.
h=12 m=40 s=34
